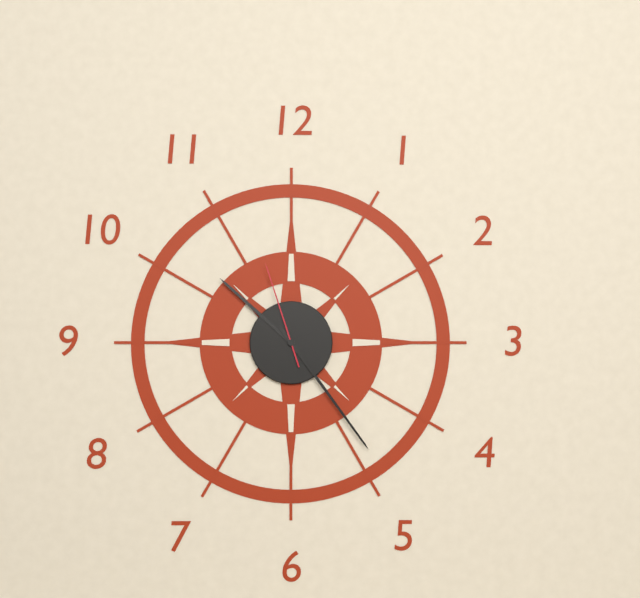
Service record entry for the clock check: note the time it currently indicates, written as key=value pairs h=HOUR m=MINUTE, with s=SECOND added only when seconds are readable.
h=10 m=24 s=57
